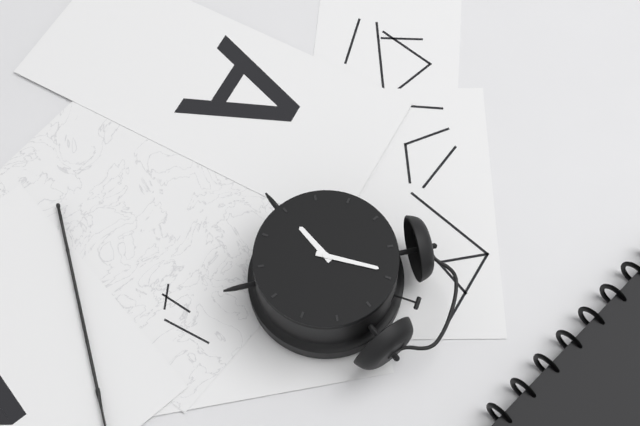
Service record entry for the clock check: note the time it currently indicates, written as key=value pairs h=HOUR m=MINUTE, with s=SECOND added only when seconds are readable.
h=6 m=59
